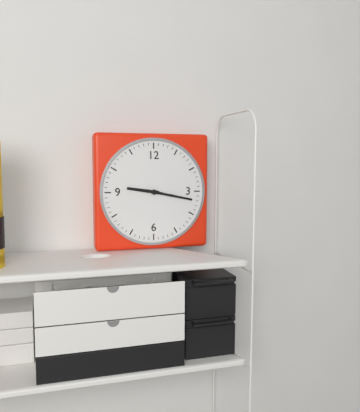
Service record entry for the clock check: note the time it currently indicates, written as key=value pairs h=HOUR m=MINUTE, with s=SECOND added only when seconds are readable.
h=9 m=17
